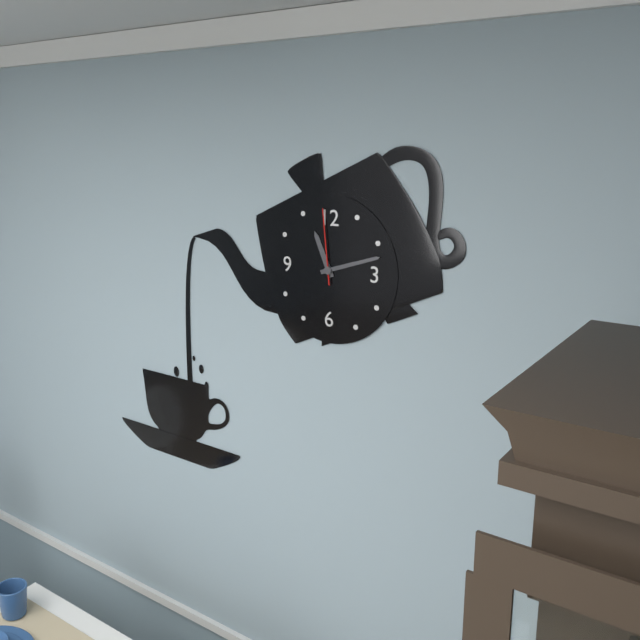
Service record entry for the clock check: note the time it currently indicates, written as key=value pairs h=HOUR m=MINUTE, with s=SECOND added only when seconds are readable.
h=11 m=12 s=59
